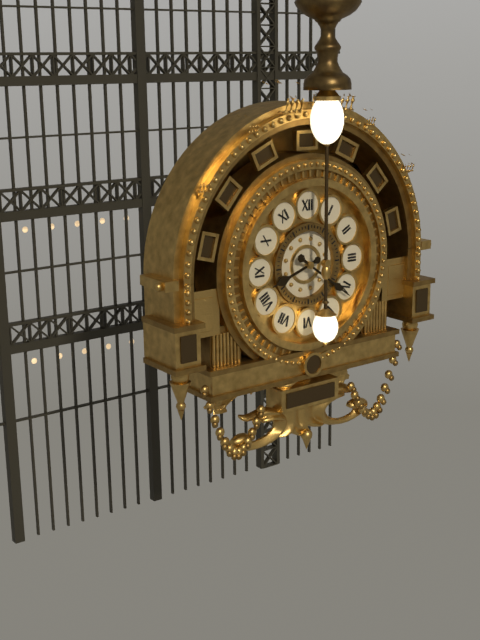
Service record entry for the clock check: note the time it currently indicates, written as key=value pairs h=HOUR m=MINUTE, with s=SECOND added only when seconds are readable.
h=8 m=21
